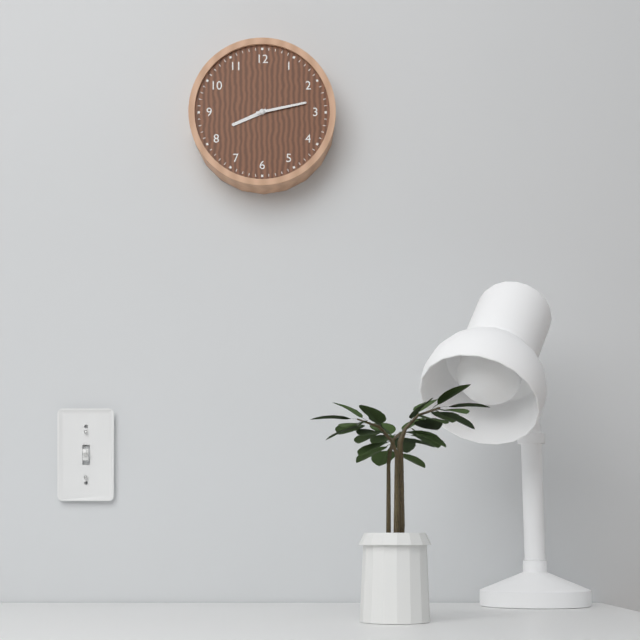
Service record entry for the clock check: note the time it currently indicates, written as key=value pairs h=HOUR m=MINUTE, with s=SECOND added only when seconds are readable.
h=8 m=13
